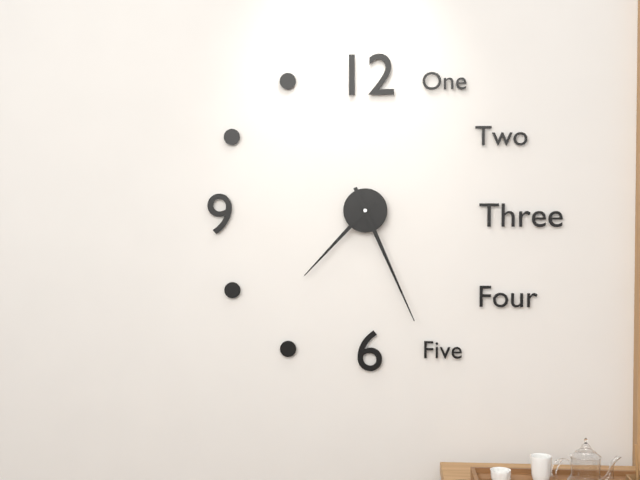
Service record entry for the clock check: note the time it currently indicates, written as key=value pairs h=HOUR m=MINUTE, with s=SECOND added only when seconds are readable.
h=7 m=26
